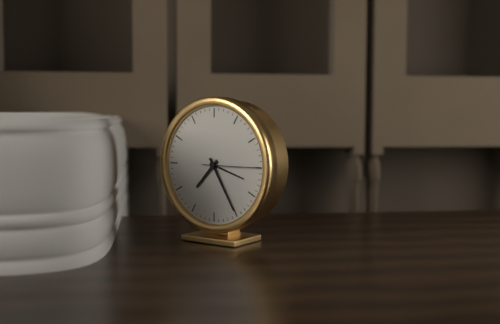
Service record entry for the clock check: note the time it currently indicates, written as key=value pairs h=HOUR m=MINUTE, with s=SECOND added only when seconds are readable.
h=7 m=25 s=15
